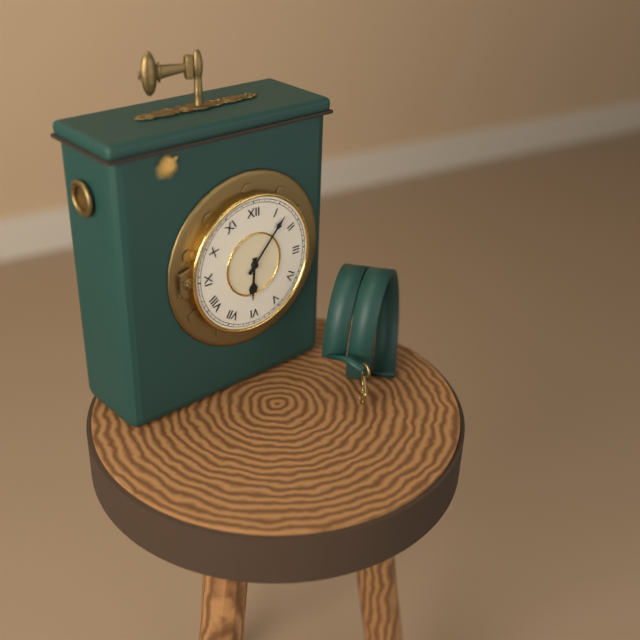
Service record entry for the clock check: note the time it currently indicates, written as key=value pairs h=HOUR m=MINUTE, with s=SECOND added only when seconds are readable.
h=6 m=7
